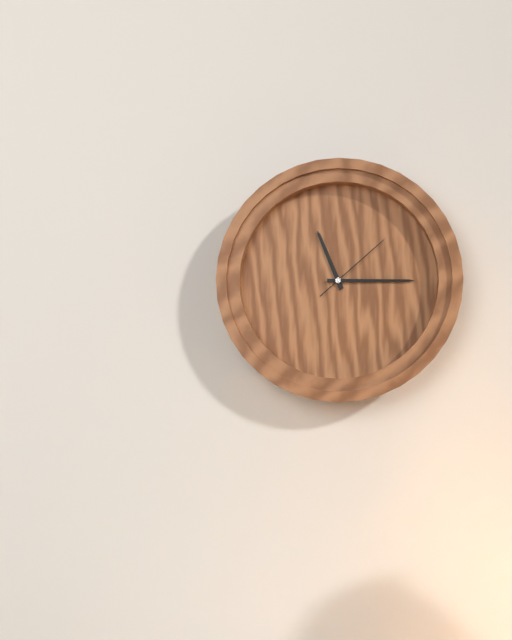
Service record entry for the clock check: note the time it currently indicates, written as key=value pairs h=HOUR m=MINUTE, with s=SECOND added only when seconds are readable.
h=11 m=15 s=8
